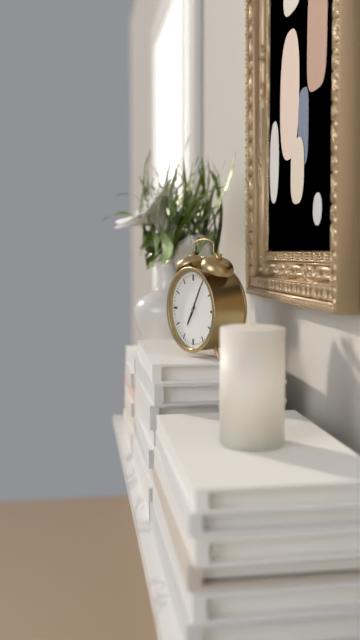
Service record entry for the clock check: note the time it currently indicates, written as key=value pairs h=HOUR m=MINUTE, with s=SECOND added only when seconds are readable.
h=7 m=5
